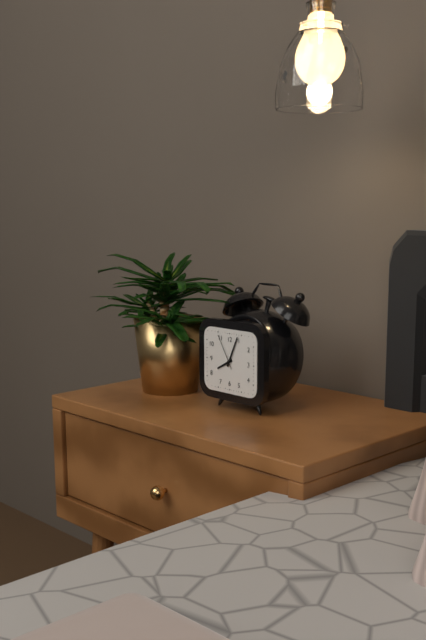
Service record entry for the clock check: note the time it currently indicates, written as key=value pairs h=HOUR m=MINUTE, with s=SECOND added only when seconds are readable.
h=8 m=4
